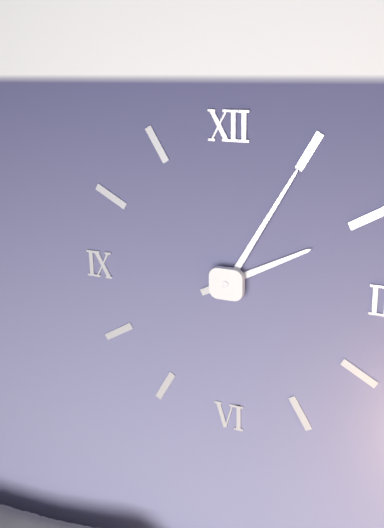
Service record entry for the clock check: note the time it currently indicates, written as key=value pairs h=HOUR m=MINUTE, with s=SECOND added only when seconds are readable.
h=2 m=5
